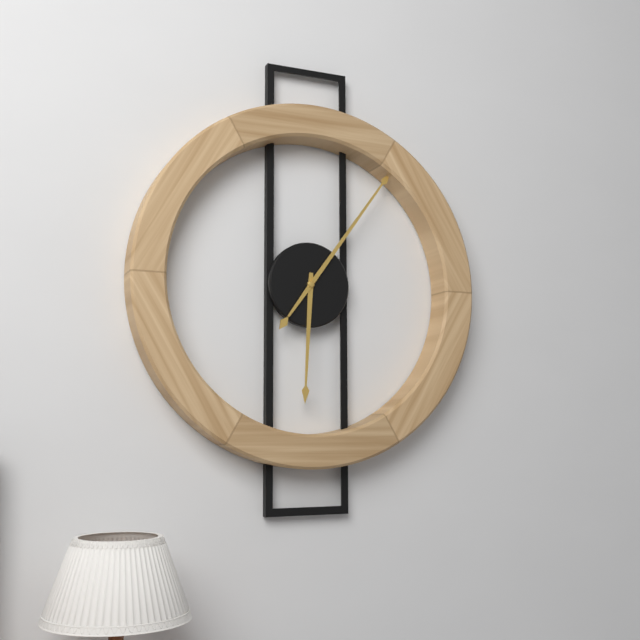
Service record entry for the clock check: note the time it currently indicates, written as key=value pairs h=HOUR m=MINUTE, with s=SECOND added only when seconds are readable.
h=6 m=6
